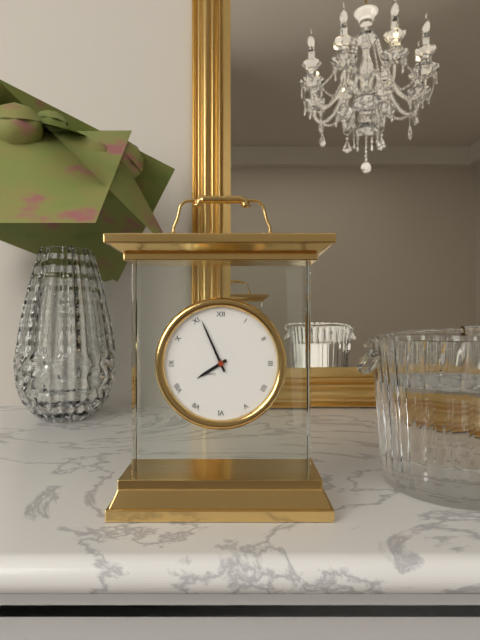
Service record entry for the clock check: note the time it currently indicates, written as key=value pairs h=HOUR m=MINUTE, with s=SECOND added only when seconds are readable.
h=7 m=56
